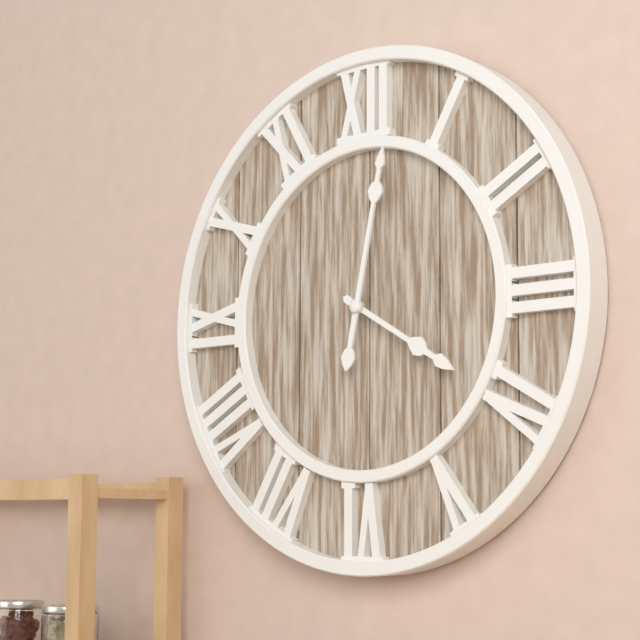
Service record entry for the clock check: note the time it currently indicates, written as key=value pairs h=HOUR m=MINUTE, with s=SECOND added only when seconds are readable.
h=4 m=2
